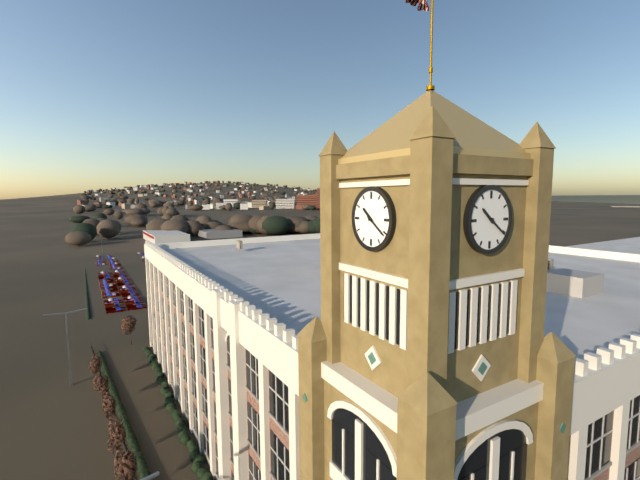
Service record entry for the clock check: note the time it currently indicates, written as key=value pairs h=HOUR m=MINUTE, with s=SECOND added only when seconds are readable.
h=10 m=21
